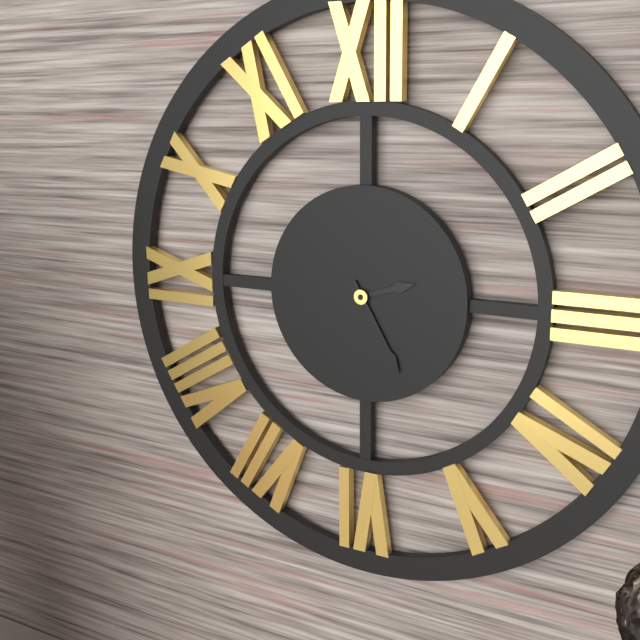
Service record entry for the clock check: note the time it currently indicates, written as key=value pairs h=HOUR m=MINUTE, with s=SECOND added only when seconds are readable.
h=2 m=25
